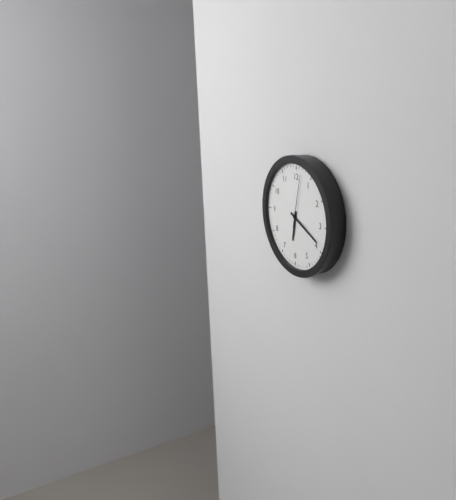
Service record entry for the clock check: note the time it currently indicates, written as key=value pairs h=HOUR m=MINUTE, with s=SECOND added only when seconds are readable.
h=6 m=19 s=2
